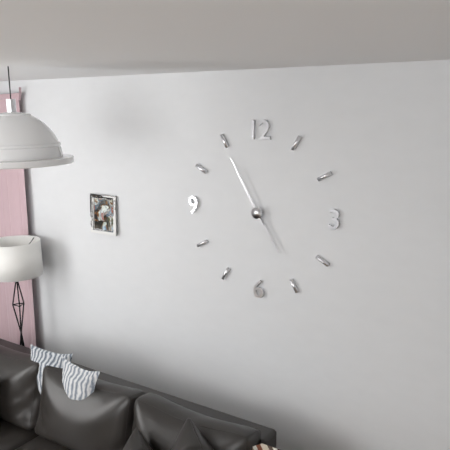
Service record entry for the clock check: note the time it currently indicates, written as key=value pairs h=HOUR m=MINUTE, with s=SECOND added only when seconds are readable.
h=4 m=55
